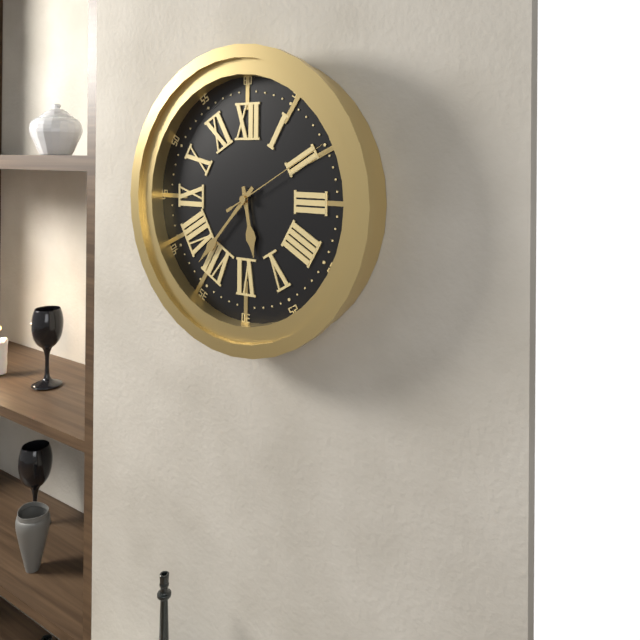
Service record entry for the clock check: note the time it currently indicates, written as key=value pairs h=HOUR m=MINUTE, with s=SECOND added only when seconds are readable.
h=5 m=37 s=10
